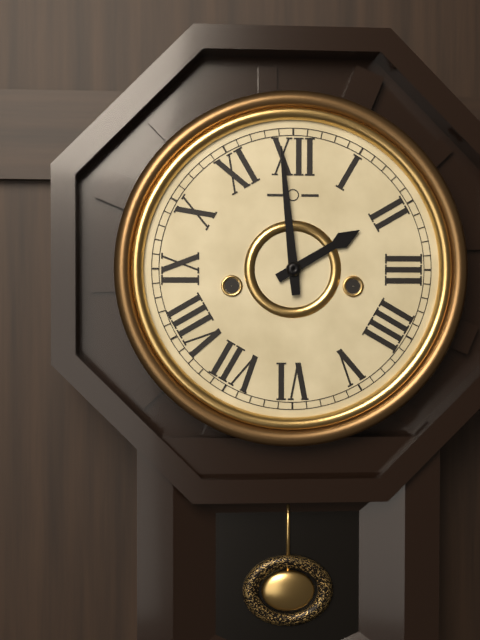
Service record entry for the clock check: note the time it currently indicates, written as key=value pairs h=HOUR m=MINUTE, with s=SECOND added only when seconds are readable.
h=1 m=59
